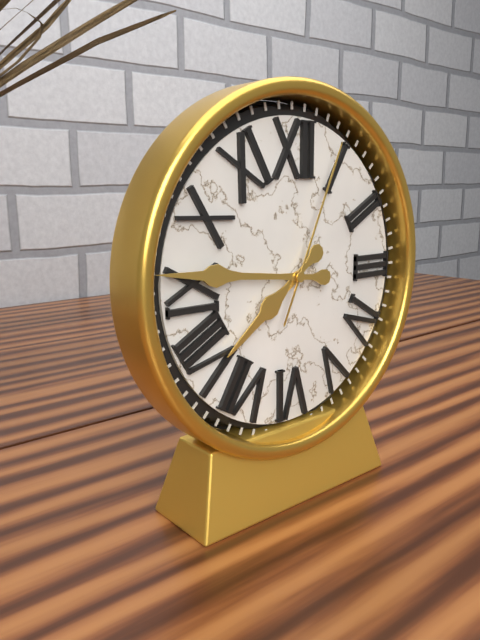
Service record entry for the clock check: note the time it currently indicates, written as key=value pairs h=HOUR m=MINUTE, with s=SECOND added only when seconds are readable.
h=7 m=46 s=4
